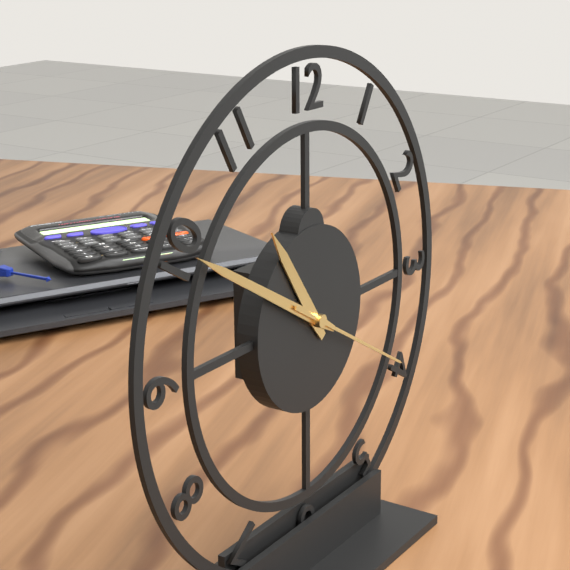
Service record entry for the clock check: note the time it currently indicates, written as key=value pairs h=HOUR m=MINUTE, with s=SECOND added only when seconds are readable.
h=10 m=50 s=20
